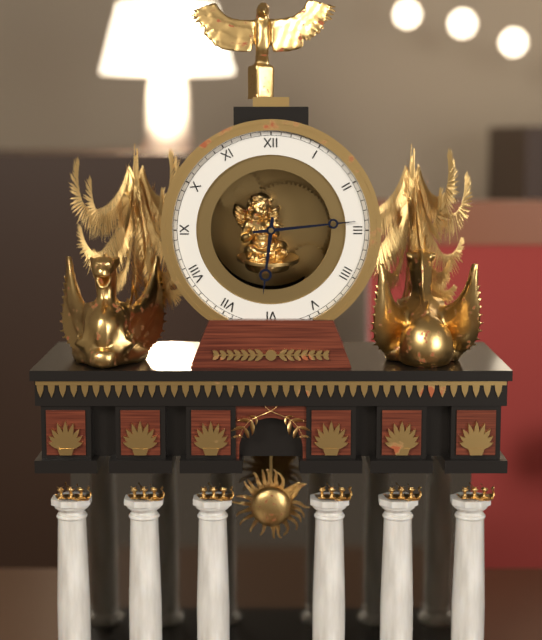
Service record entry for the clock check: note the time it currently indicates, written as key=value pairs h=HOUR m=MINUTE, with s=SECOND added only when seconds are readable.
h=6 m=14
